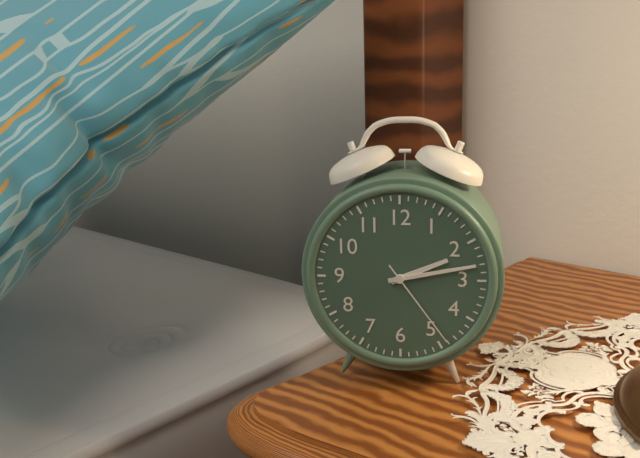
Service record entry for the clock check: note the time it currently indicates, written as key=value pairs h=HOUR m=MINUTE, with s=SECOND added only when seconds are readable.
h=2 m=13 s=24
